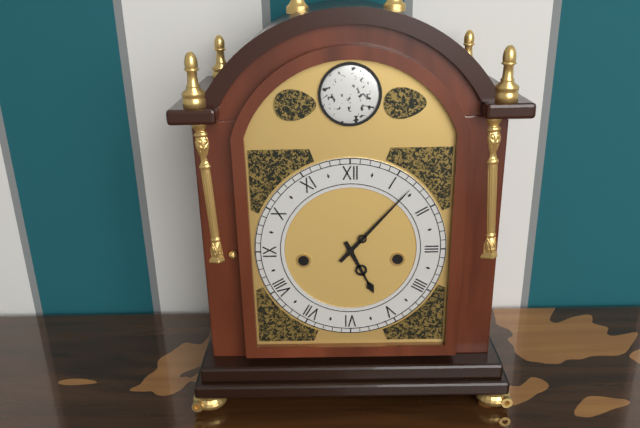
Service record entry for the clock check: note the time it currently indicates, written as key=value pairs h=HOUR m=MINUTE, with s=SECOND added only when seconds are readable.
h=5 m=7
